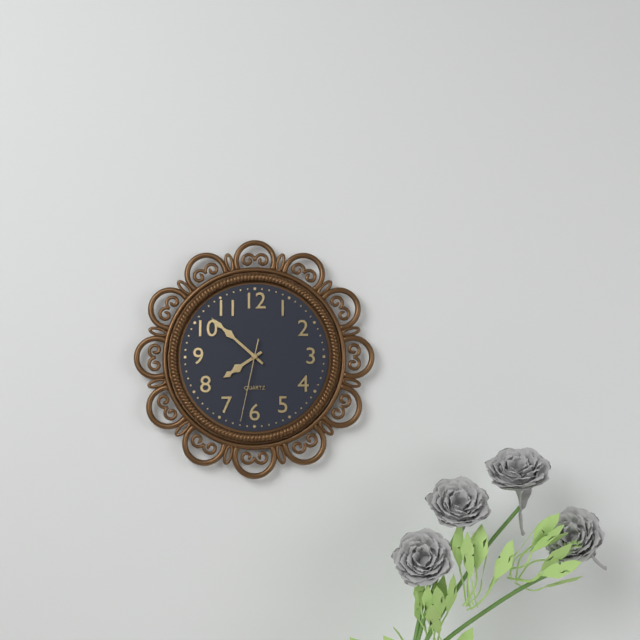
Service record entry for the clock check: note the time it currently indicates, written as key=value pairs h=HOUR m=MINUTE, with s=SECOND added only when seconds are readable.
h=7 m=52 s=32
